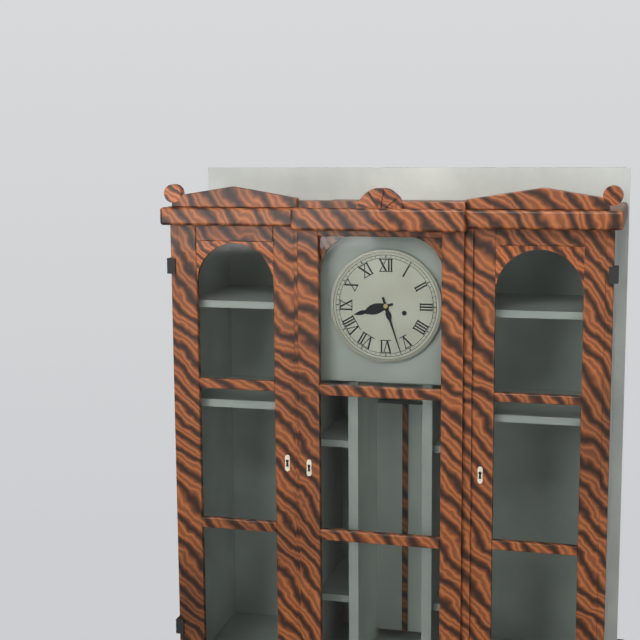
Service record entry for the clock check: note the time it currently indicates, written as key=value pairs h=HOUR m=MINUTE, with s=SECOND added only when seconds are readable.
h=8 m=27
